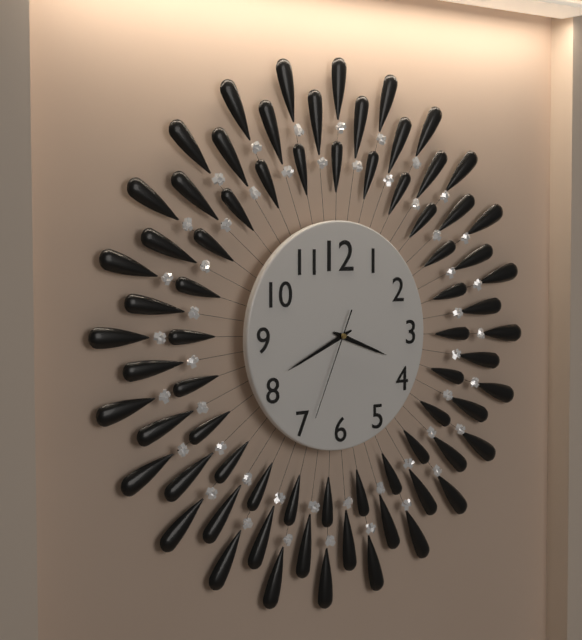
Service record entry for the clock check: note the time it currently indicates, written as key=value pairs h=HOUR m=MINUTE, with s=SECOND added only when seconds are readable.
h=3 m=41 s=34
